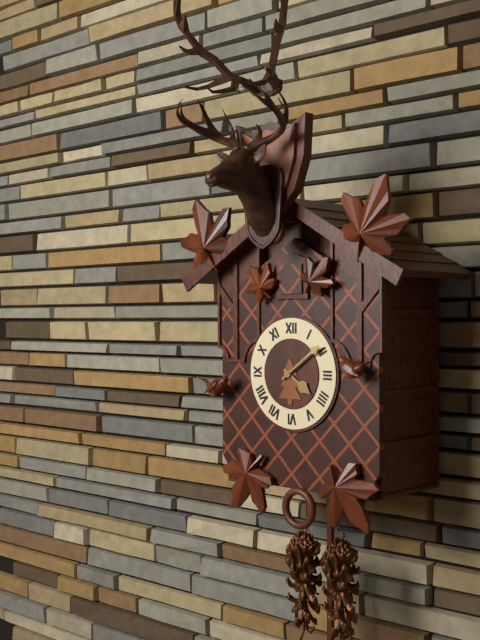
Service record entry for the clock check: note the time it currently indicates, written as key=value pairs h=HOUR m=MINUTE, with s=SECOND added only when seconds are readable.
h=4 m=9
